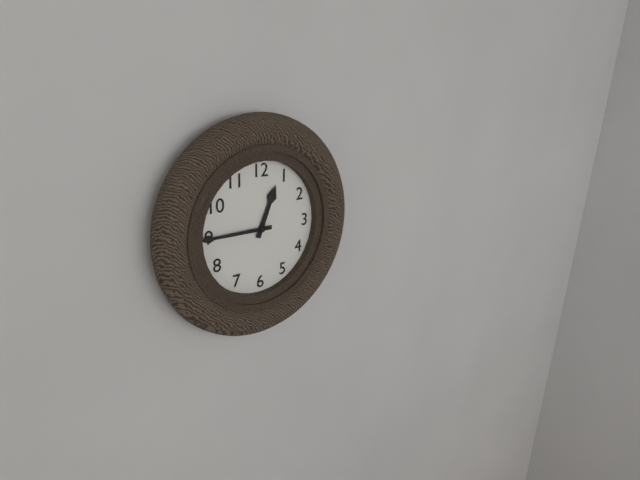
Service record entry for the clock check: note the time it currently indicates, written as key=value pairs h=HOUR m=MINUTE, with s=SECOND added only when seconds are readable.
h=12 m=45
